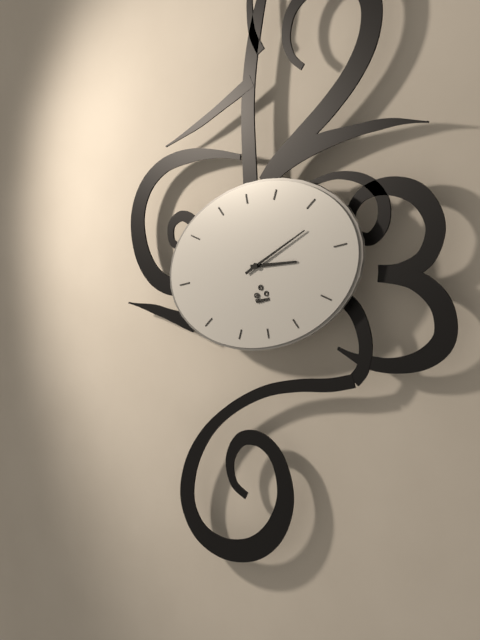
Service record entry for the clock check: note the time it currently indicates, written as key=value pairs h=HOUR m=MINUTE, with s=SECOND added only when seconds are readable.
h=3 m=12
